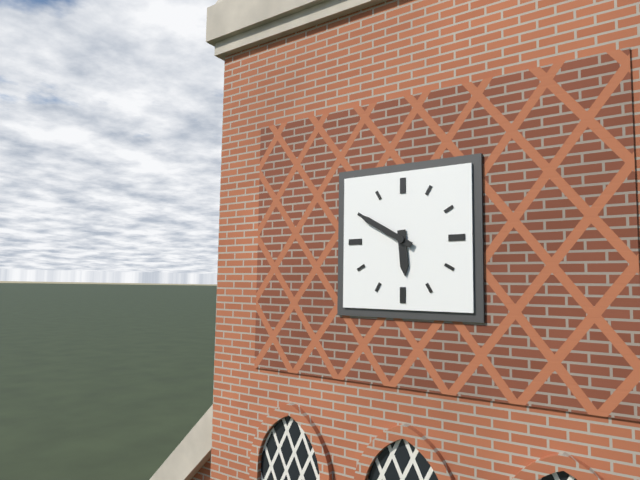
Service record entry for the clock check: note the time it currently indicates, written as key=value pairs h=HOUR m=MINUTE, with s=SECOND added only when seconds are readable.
h=5 m=50
